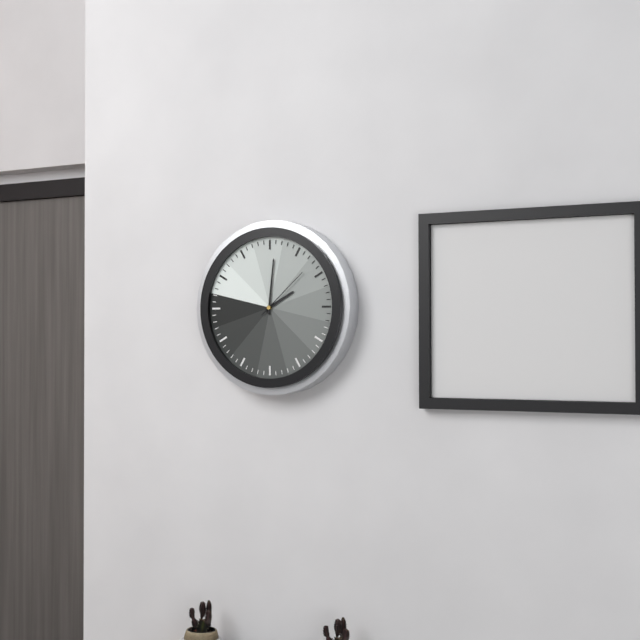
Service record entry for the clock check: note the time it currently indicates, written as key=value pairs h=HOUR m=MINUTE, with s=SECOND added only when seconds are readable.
h=2 m=1 s=8
